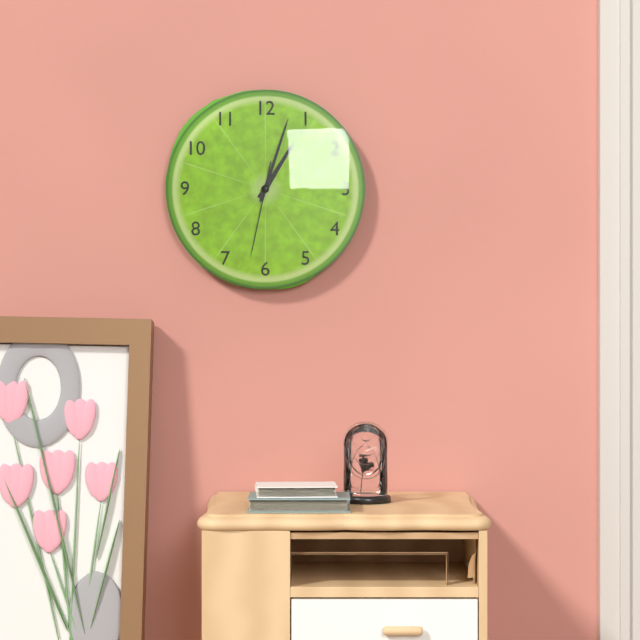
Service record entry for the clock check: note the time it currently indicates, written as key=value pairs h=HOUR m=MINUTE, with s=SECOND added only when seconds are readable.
h=1 m=3 s=32
